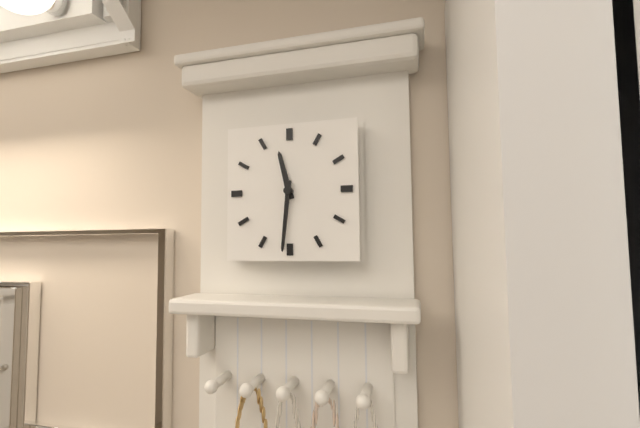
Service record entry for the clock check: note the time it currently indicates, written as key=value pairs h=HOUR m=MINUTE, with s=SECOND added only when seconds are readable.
h=11 m=31
